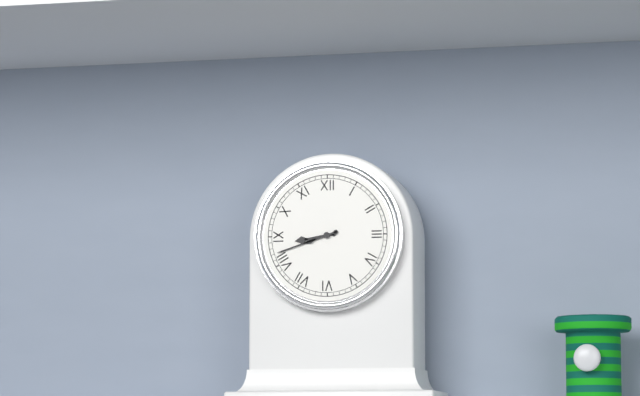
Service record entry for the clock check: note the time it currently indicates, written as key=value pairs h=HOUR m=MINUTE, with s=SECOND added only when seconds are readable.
h=8 m=42
